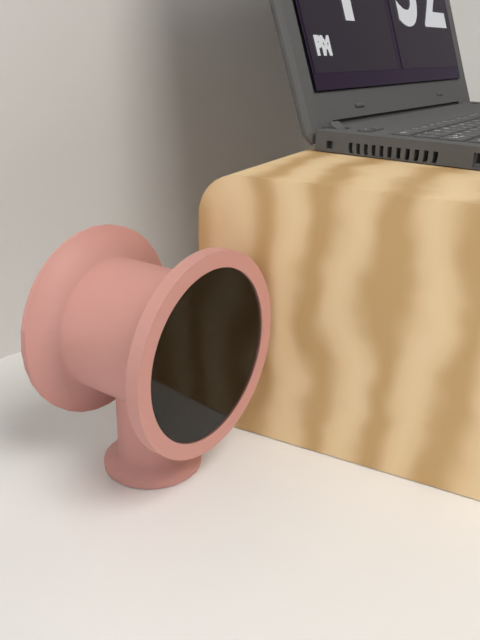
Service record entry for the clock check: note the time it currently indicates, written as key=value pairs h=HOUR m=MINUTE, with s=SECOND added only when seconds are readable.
h=7 m=6 s=15
